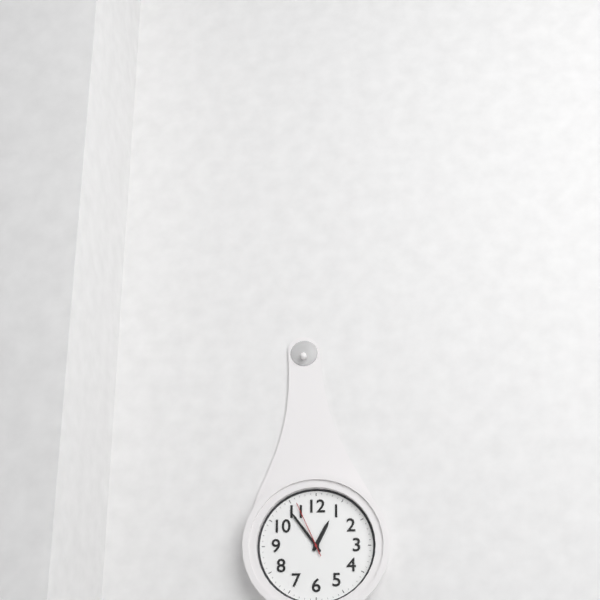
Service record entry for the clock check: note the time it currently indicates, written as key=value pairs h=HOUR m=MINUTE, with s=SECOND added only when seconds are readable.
h=12 m=54 s=56
